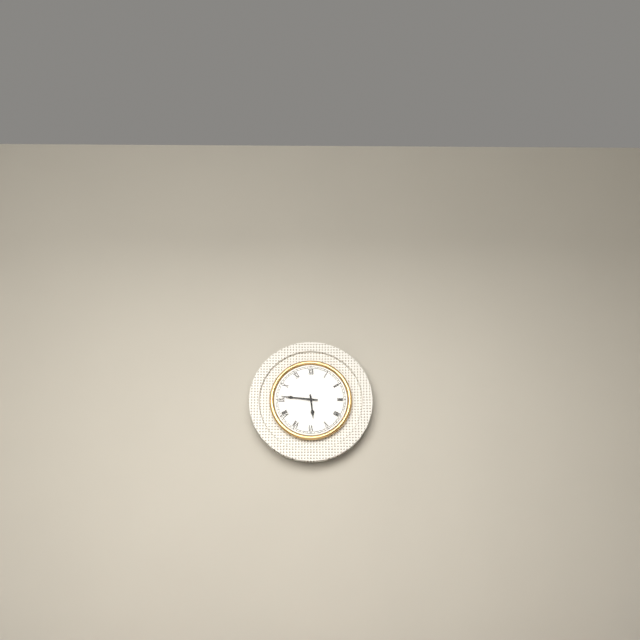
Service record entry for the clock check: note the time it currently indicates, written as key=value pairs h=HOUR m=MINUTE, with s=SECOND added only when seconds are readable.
h=5 m=46
